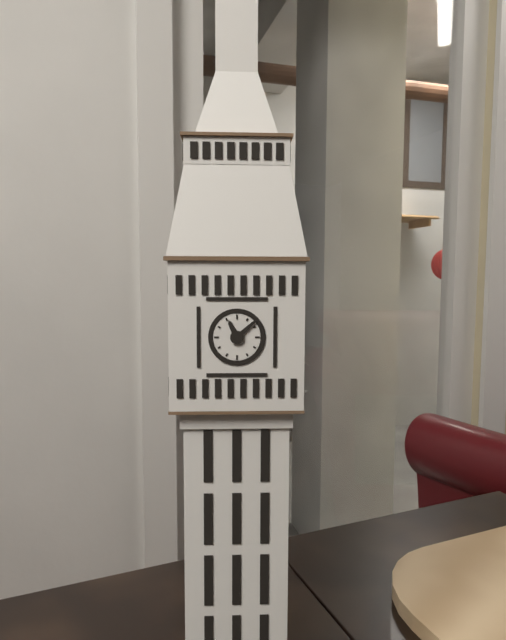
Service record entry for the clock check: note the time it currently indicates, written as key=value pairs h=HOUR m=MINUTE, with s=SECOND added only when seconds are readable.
h=11 m=8
